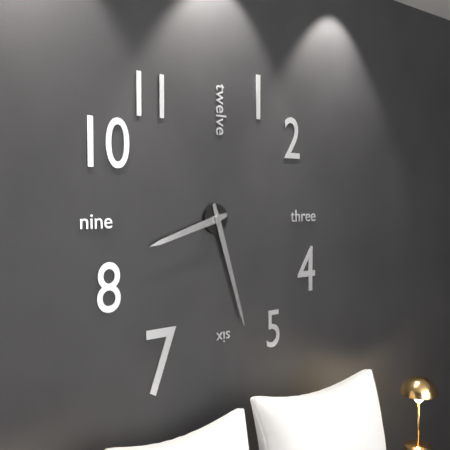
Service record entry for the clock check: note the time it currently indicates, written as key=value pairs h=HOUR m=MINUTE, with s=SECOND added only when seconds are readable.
h=8 m=27
